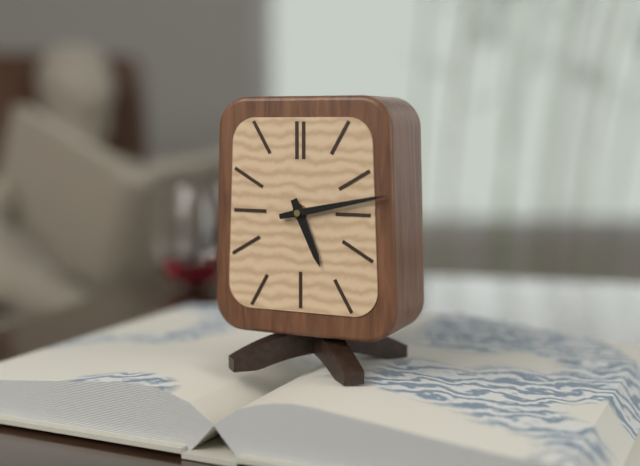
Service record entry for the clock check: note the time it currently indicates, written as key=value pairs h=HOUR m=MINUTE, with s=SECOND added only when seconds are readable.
h=5 m=13
